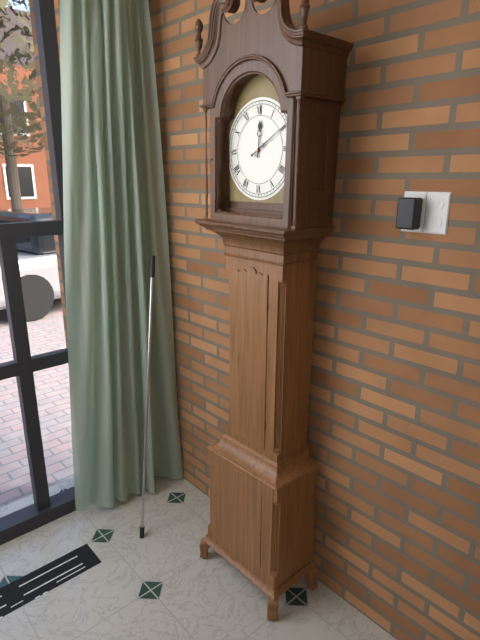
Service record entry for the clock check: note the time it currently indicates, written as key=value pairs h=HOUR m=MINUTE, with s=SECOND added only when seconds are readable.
h=12 m=10
